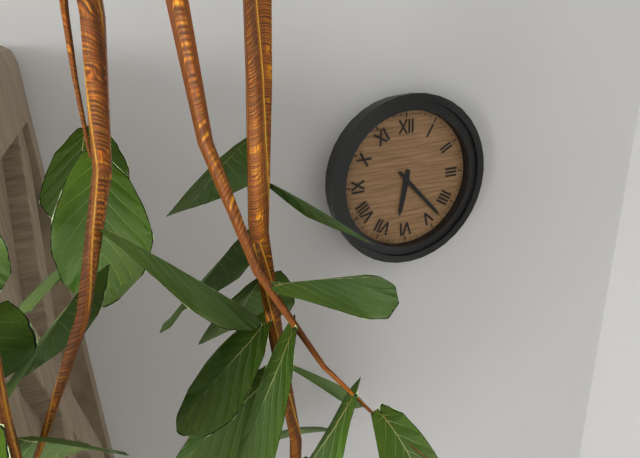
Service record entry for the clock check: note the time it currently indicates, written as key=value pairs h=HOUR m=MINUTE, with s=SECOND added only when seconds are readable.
h=6 m=23
